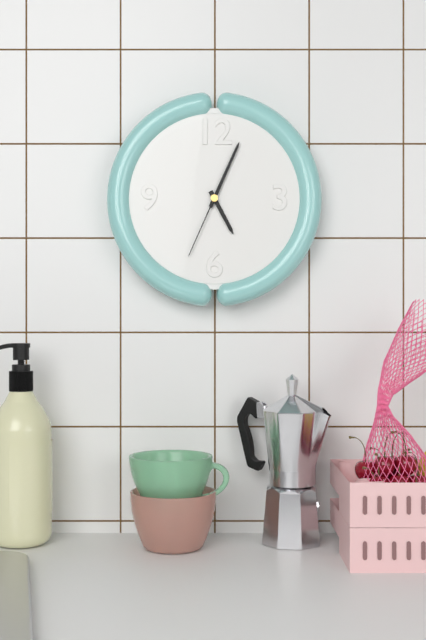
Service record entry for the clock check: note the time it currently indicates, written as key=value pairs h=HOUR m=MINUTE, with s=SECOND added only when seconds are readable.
h=5 m=4 s=34
